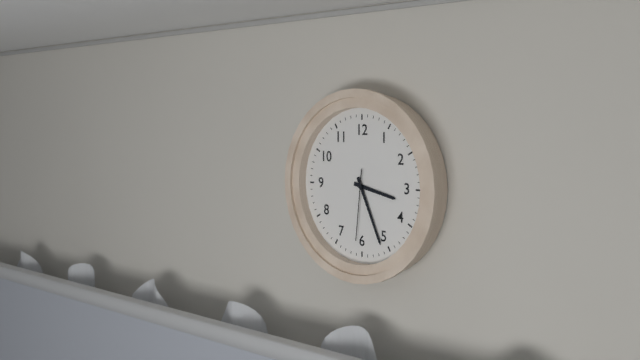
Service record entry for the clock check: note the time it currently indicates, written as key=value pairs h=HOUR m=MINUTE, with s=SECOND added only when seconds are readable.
h=3 m=26 s=31
